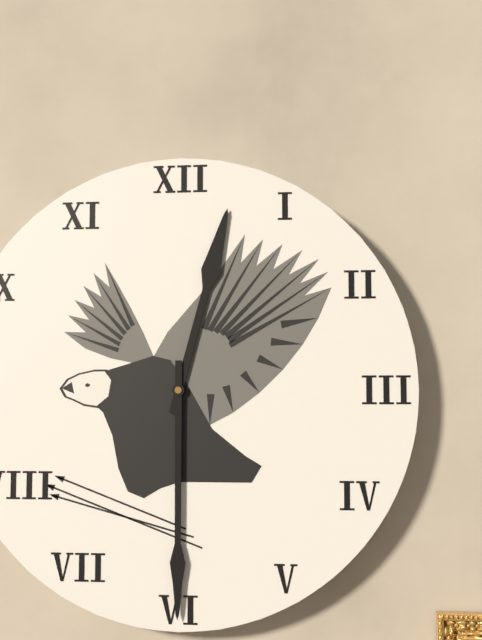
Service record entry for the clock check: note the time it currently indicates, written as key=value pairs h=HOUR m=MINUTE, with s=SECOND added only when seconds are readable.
h=12 m=30
